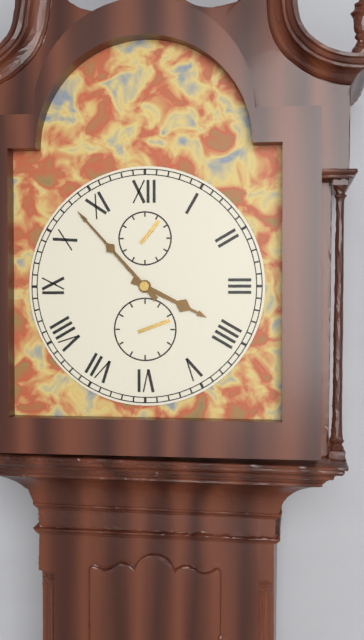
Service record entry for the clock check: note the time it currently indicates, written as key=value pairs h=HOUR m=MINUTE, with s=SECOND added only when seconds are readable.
h=3 m=53
